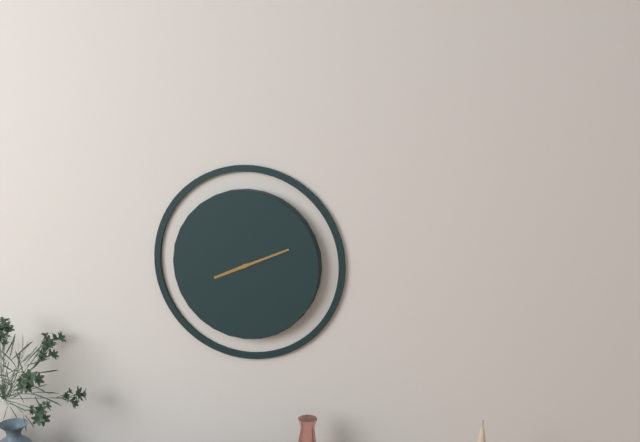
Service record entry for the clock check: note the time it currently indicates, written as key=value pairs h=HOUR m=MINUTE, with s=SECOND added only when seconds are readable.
h=8 m=11
